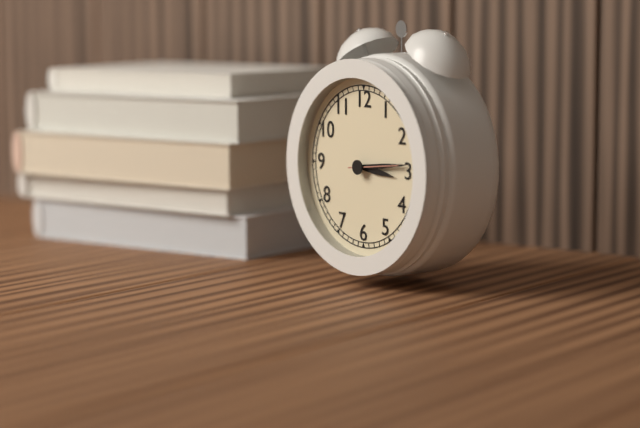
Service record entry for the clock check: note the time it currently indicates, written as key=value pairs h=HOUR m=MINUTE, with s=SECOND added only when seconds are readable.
h=3 m=14 s=14
